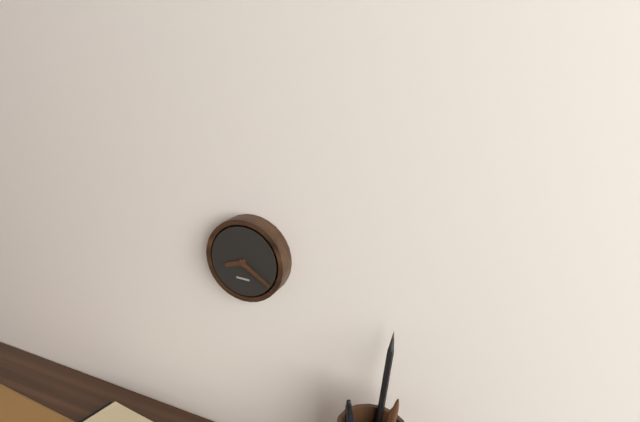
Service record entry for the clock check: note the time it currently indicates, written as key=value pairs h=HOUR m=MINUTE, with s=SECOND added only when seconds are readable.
h=8 m=20
